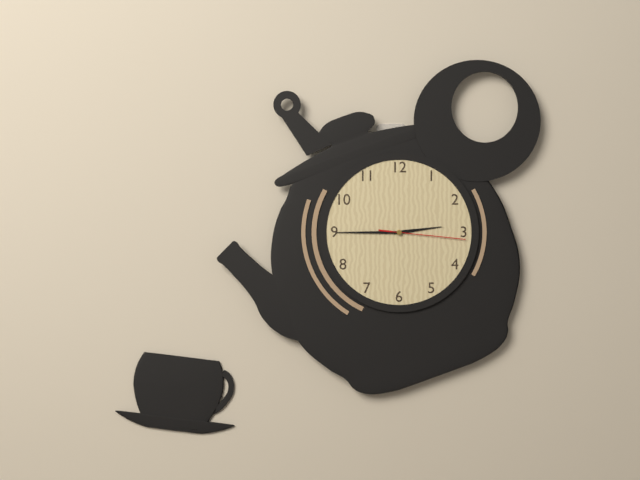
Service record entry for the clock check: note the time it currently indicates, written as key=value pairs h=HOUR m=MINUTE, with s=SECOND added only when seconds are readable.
h=2 m=45 s=16
